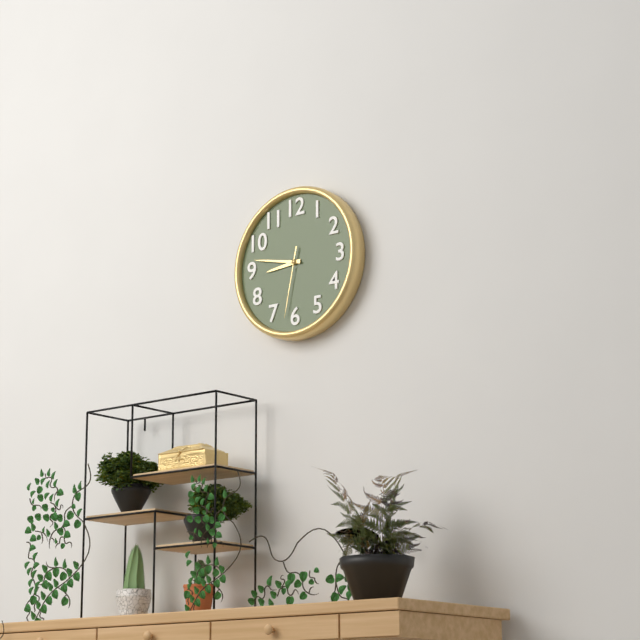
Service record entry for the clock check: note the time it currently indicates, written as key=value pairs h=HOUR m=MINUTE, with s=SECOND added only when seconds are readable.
h=8 m=47 s=32
